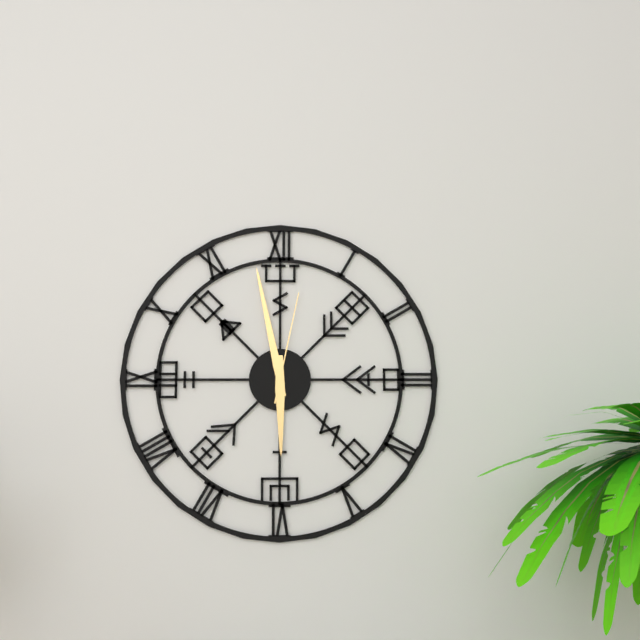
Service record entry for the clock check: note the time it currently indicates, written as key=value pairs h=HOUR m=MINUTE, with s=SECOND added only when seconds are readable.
h=5 m=58 s=2
